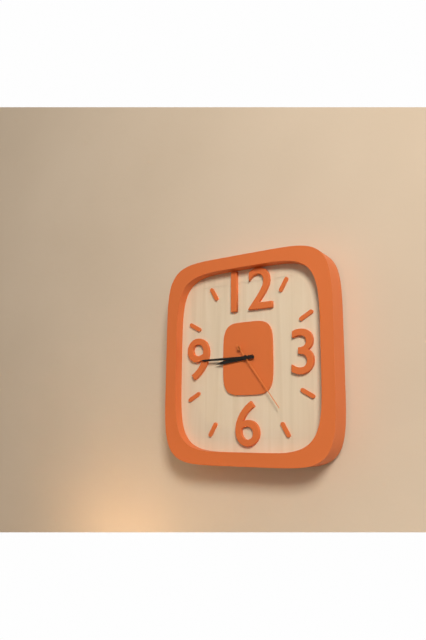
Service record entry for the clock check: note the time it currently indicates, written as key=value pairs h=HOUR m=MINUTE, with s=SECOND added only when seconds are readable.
h=8 m=45 s=24
